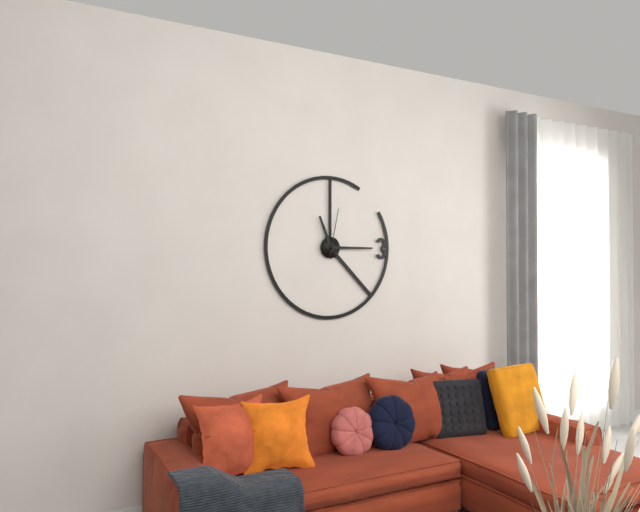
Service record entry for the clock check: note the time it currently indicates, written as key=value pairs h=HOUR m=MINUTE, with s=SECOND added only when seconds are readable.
h=11 m=15 s=2
